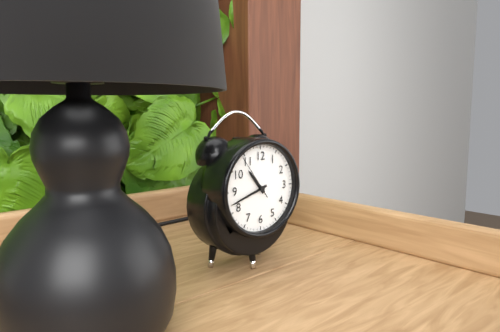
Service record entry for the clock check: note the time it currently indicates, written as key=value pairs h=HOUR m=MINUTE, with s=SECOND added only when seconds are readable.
h=10 m=42
